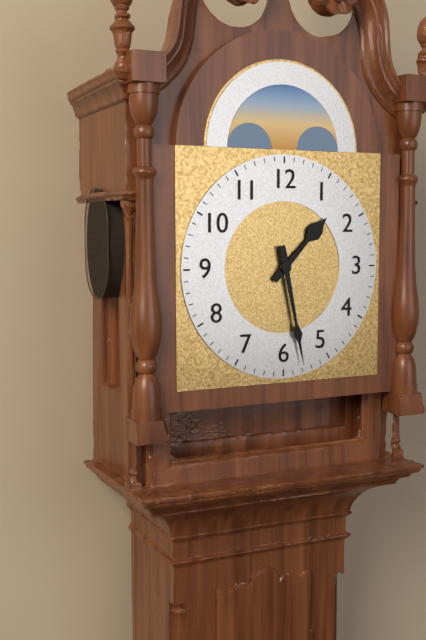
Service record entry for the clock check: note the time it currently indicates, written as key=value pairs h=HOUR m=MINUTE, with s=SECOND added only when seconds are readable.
h=1 m=28
